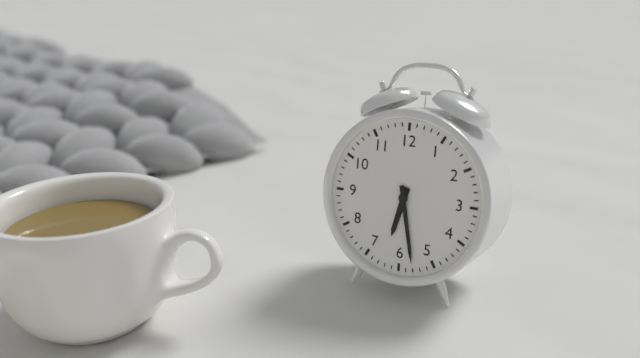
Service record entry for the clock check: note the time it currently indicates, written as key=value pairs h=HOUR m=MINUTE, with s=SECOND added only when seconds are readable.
h=6 m=28
